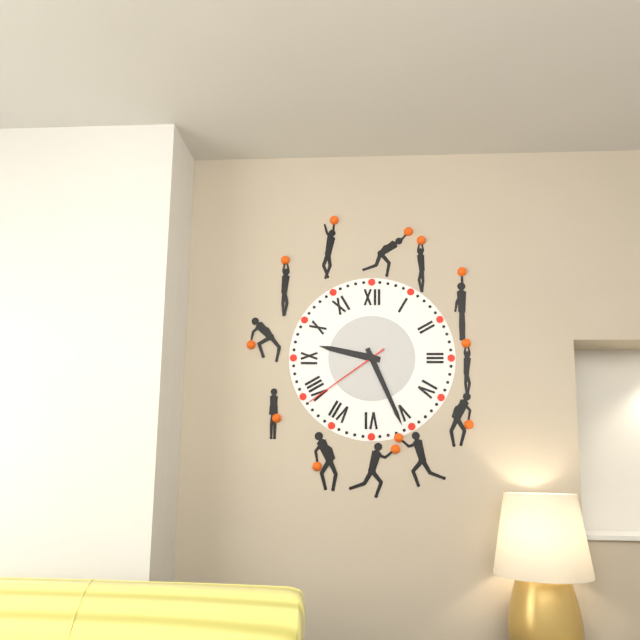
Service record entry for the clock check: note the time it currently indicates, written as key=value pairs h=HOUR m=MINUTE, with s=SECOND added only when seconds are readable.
h=9 m=26 s=39
